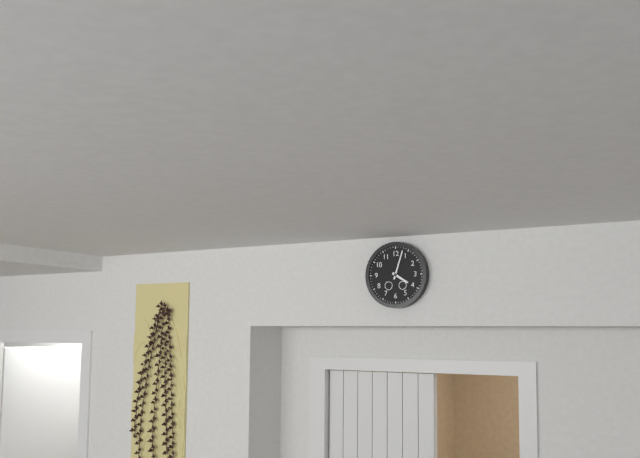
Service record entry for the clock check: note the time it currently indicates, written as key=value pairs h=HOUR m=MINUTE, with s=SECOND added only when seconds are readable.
h=4 m=3
